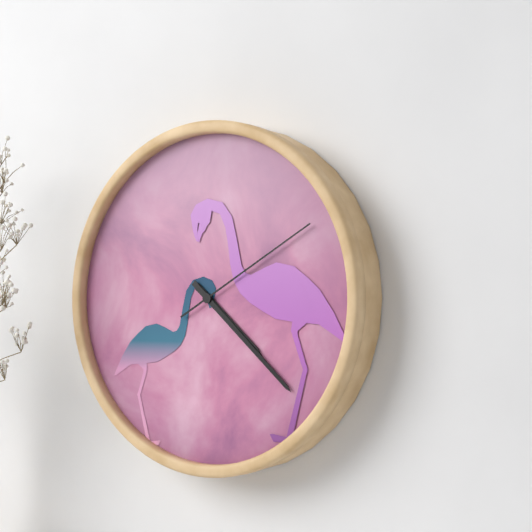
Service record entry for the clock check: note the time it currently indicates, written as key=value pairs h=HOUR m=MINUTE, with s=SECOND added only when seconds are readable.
h=4 m=22 s=10
